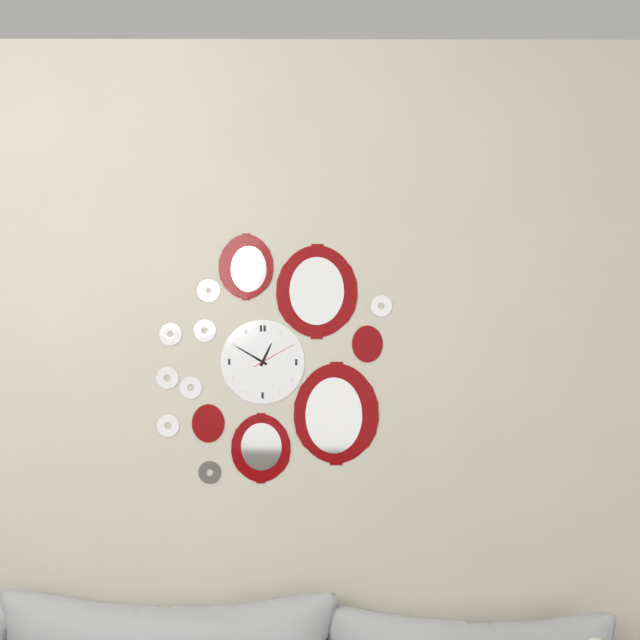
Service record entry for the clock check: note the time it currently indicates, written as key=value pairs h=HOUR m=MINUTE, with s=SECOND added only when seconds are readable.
h=12 m=50
